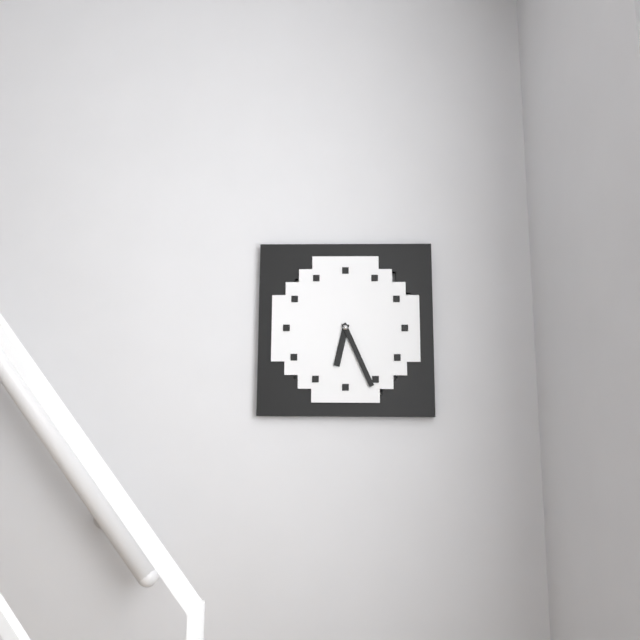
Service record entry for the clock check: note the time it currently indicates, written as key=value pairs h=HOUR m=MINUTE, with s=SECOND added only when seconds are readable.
h=6 m=26
